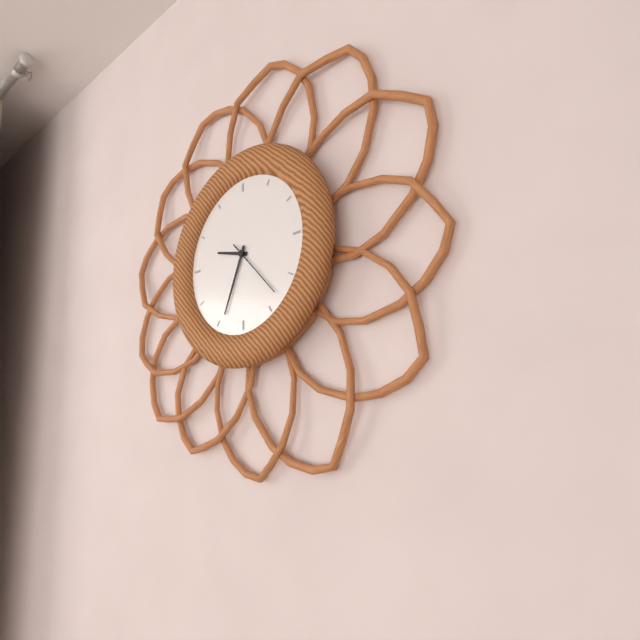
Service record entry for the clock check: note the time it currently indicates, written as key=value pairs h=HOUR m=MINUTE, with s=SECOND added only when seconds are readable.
h=9 m=34
